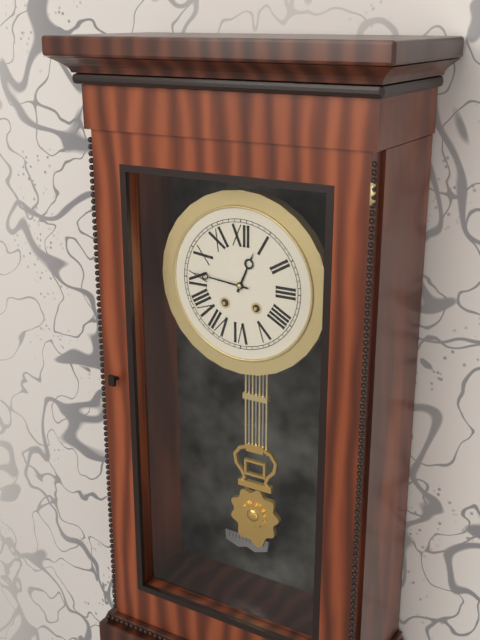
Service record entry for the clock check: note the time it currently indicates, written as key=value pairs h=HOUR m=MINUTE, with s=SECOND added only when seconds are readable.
h=12 m=46
